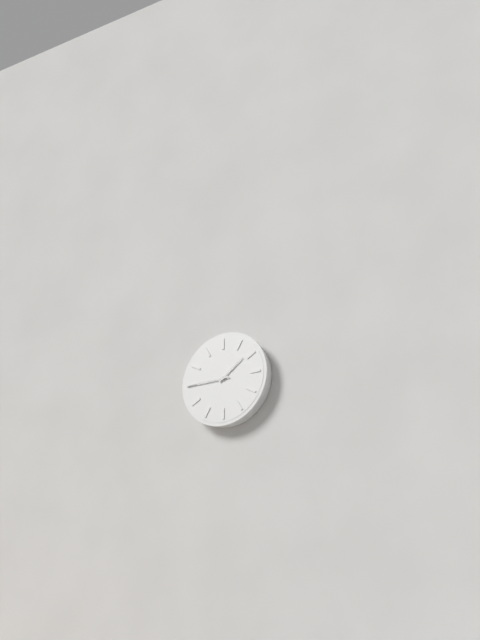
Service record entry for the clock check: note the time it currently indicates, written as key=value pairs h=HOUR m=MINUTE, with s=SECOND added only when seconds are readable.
h=1 m=45
